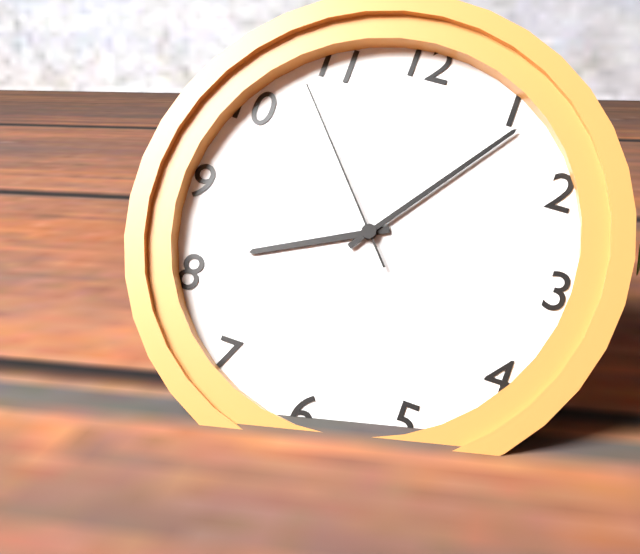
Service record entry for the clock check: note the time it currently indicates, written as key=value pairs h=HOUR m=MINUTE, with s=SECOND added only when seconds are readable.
h=8 m=6 s=53
